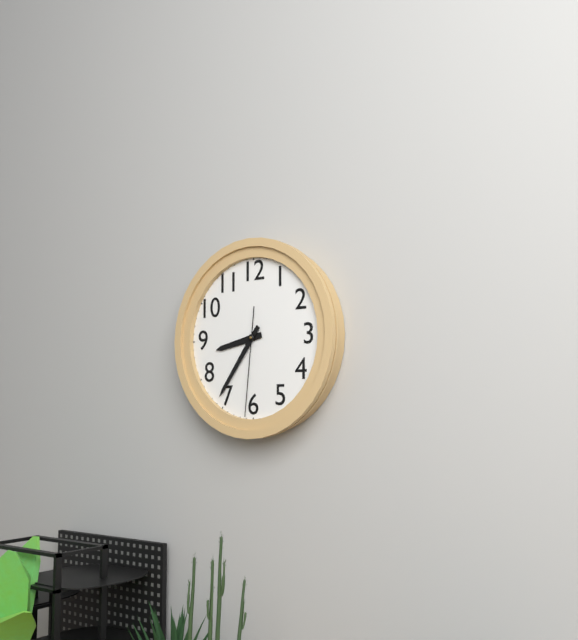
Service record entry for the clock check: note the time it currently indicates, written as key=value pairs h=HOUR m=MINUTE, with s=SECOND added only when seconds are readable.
h=8 m=36 s=31
